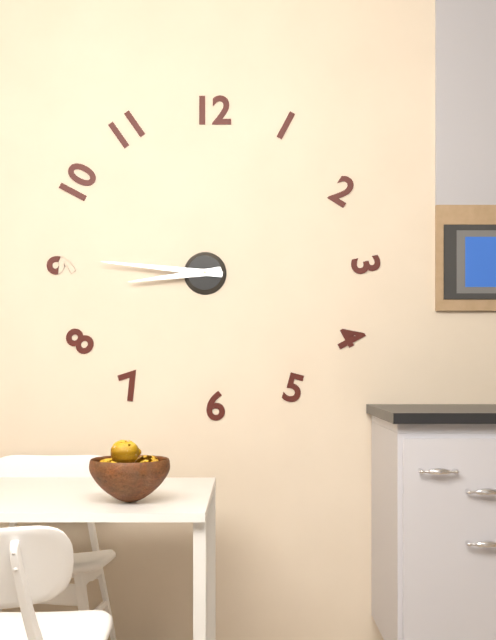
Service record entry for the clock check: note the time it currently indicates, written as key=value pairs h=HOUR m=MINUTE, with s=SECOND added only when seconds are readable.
h=8 m=46
